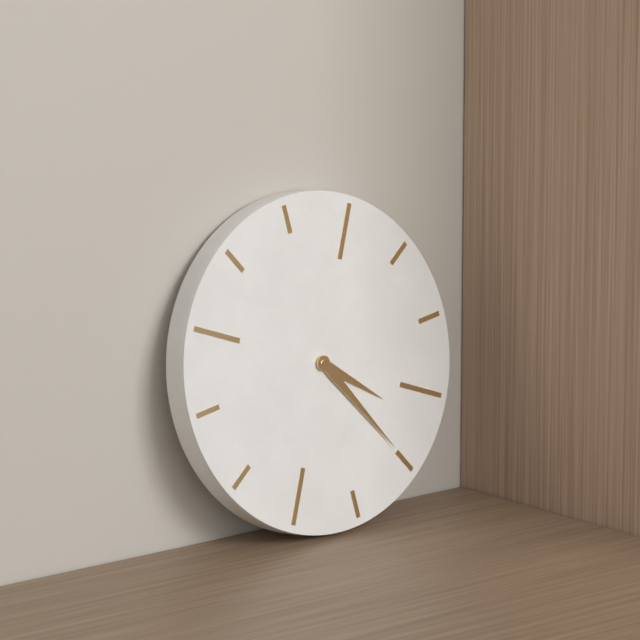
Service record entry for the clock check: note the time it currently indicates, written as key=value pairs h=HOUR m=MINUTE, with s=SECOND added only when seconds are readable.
h=4 m=25
